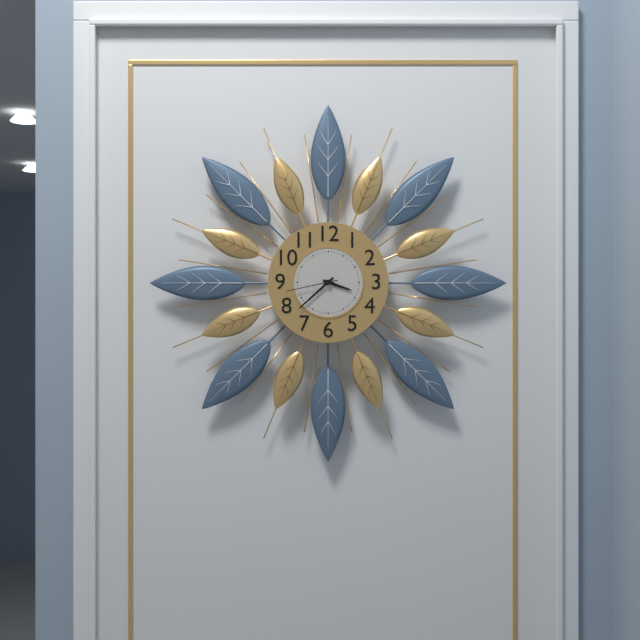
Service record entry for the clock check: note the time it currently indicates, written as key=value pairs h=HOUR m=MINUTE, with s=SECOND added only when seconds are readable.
h=3 m=38 s=43
